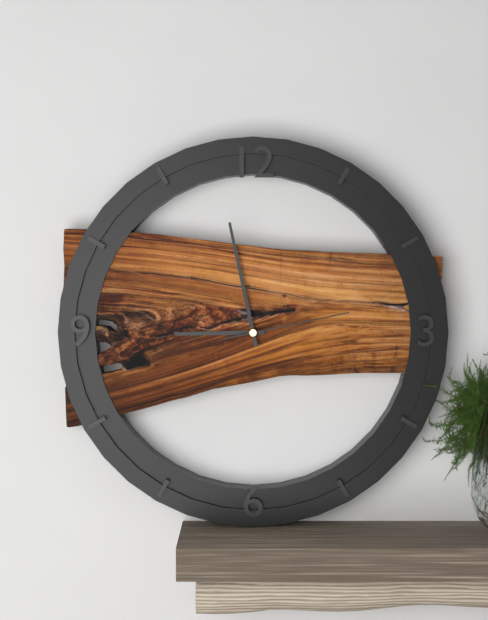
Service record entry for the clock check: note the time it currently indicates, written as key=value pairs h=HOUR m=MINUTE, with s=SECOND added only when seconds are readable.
h=8 m=58 s=13
